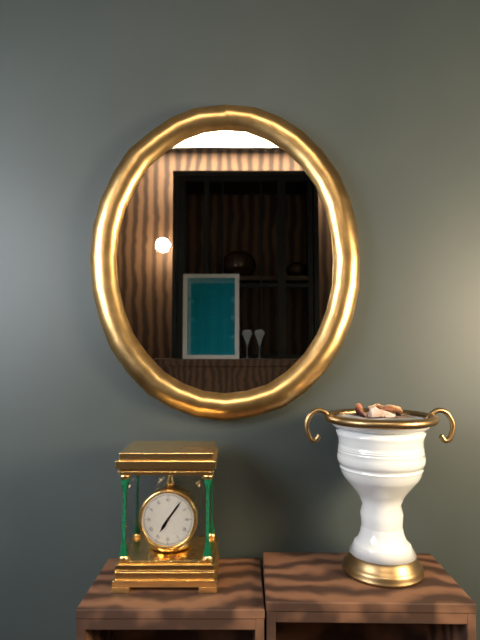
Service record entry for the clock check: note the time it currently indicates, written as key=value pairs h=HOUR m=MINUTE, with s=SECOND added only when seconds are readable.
h=7 m=6
